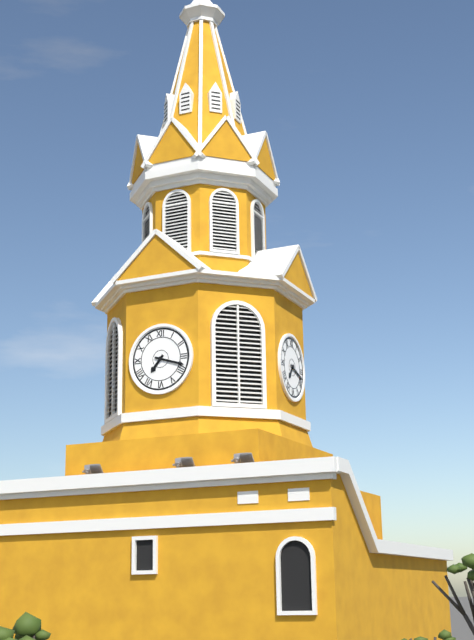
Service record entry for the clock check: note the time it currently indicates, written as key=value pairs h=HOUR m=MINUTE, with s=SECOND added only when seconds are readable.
h=7 m=18
